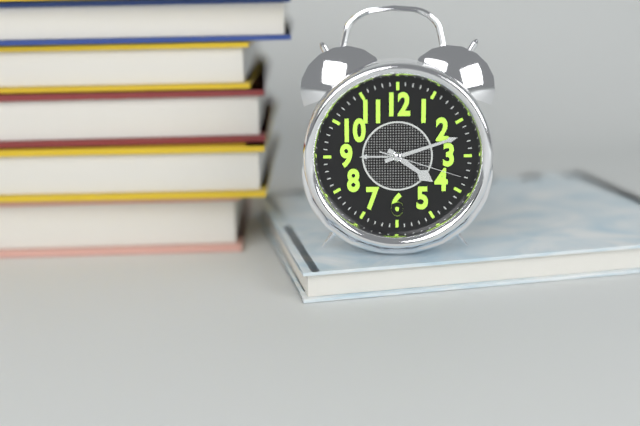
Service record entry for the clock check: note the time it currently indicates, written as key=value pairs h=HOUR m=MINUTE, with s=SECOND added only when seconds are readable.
h=4 m=12 s=18
